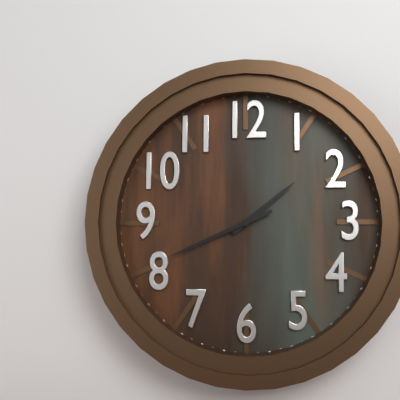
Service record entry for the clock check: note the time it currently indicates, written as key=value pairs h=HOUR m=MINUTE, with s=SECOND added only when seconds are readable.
h=1 m=41
